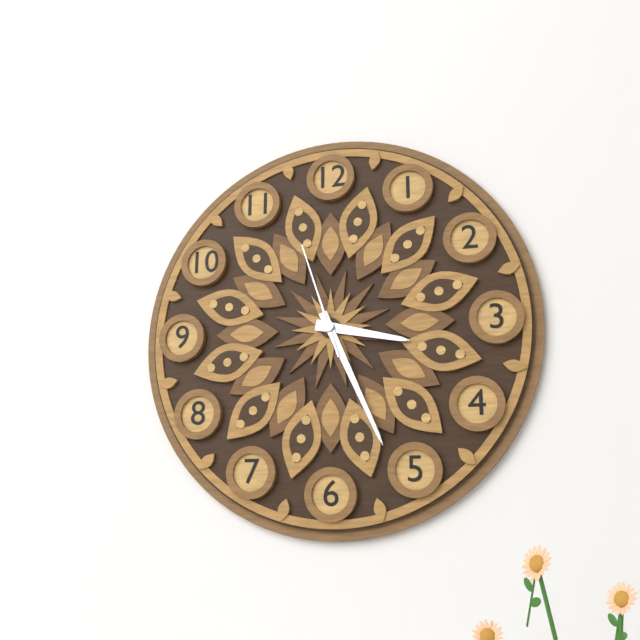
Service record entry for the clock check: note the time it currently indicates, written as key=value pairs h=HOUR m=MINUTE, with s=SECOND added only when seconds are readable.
h=3 m=26 s=57
